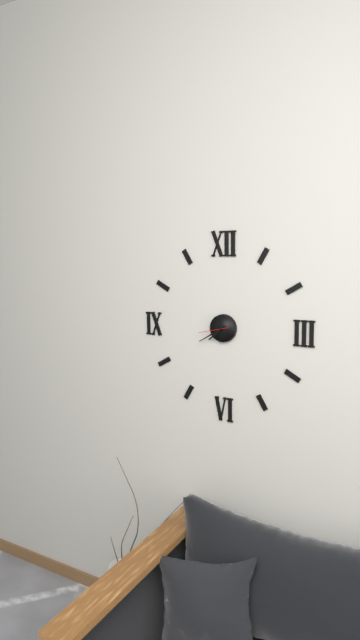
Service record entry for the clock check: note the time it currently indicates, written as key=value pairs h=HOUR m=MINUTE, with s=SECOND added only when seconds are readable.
h=7 m=40
